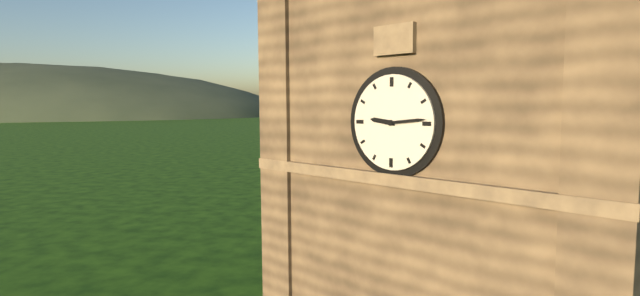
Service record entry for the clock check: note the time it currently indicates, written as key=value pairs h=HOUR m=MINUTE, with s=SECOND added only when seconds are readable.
h=9 m=14
